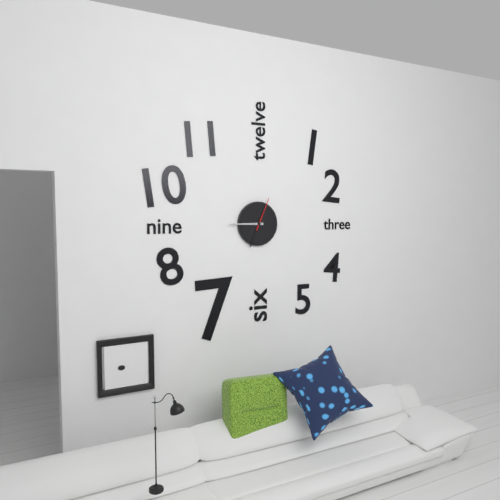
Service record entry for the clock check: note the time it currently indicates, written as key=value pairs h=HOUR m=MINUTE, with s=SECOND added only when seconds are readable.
h=6 m=45
